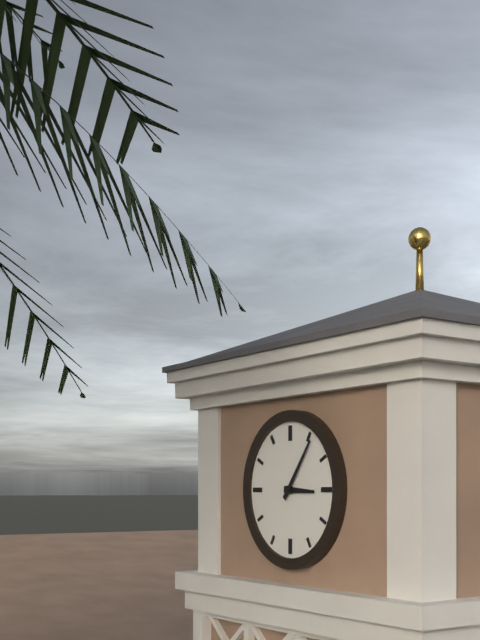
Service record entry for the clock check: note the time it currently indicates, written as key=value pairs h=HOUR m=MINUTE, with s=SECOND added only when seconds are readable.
h=3 m=6
